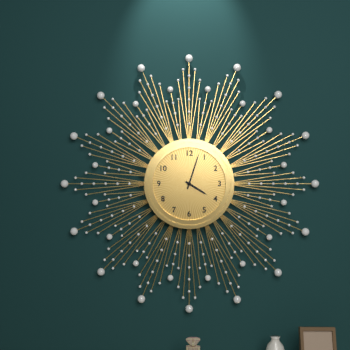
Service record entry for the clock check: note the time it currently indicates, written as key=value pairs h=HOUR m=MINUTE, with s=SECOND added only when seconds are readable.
h=4 m=3
